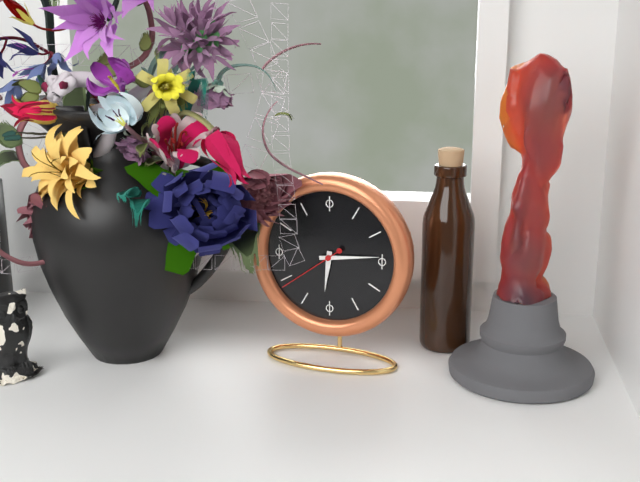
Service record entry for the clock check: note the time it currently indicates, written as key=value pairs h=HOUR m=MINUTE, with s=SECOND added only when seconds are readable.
h=6 m=14 s=39
